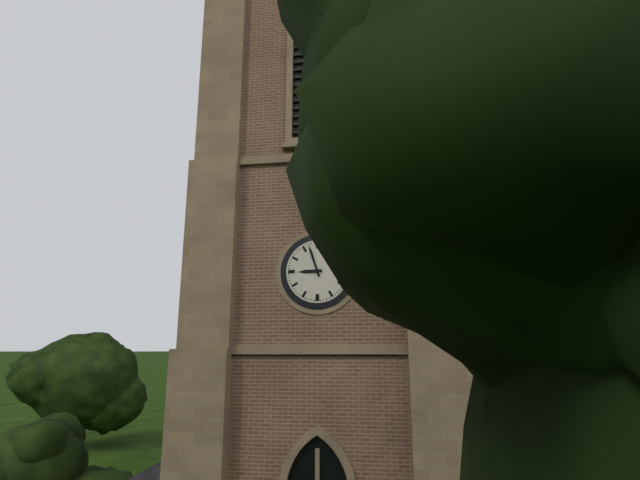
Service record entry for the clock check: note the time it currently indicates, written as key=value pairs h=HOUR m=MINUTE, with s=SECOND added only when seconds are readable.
h=8 m=57
